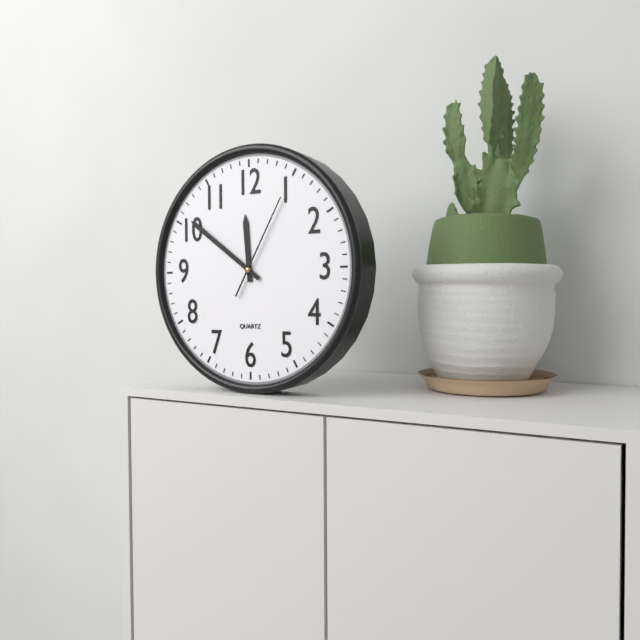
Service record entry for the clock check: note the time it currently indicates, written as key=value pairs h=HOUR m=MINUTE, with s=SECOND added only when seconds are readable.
h=11 m=51 s=5
